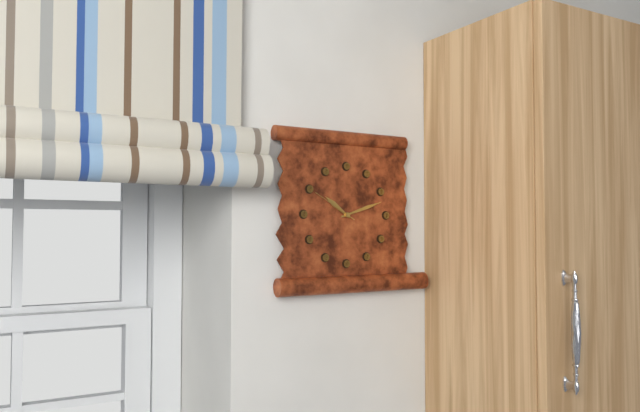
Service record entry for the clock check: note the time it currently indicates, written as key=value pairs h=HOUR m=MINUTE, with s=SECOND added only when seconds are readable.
h=10 m=12
